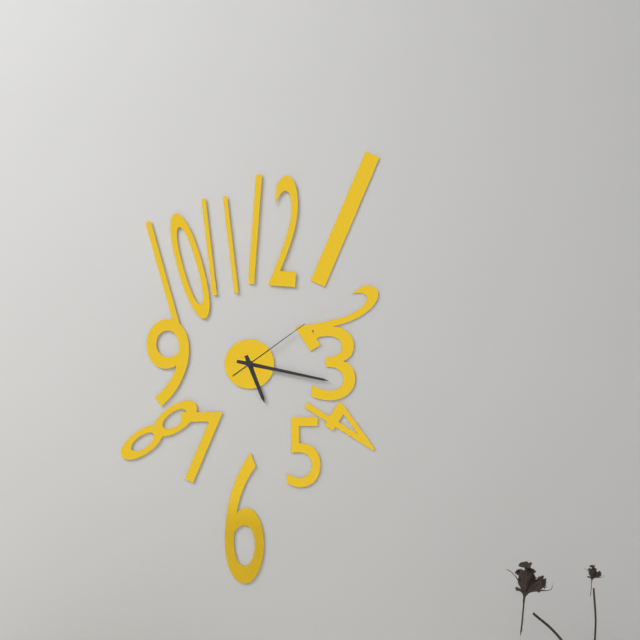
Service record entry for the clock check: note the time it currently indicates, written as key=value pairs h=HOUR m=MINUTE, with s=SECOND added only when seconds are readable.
h=5 m=17 s=9
